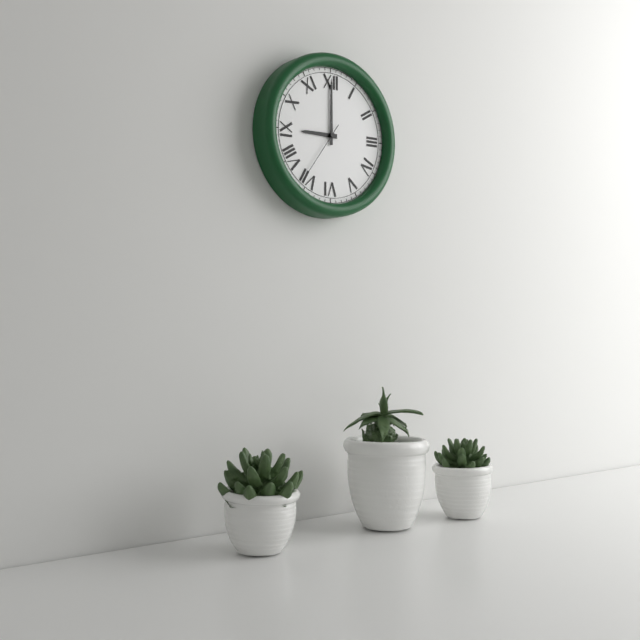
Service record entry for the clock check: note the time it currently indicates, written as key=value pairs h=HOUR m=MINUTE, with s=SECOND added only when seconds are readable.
h=9 m=0 s=36
